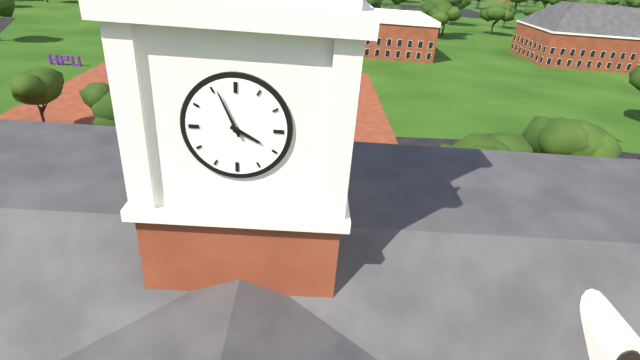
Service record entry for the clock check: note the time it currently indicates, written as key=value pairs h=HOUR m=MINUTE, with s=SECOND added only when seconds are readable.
h=3 m=56
